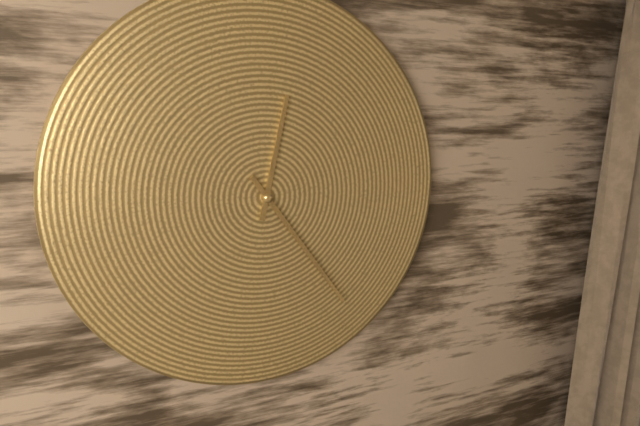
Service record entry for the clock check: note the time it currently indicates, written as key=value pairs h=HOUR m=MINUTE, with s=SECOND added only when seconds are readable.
h=12 m=24
